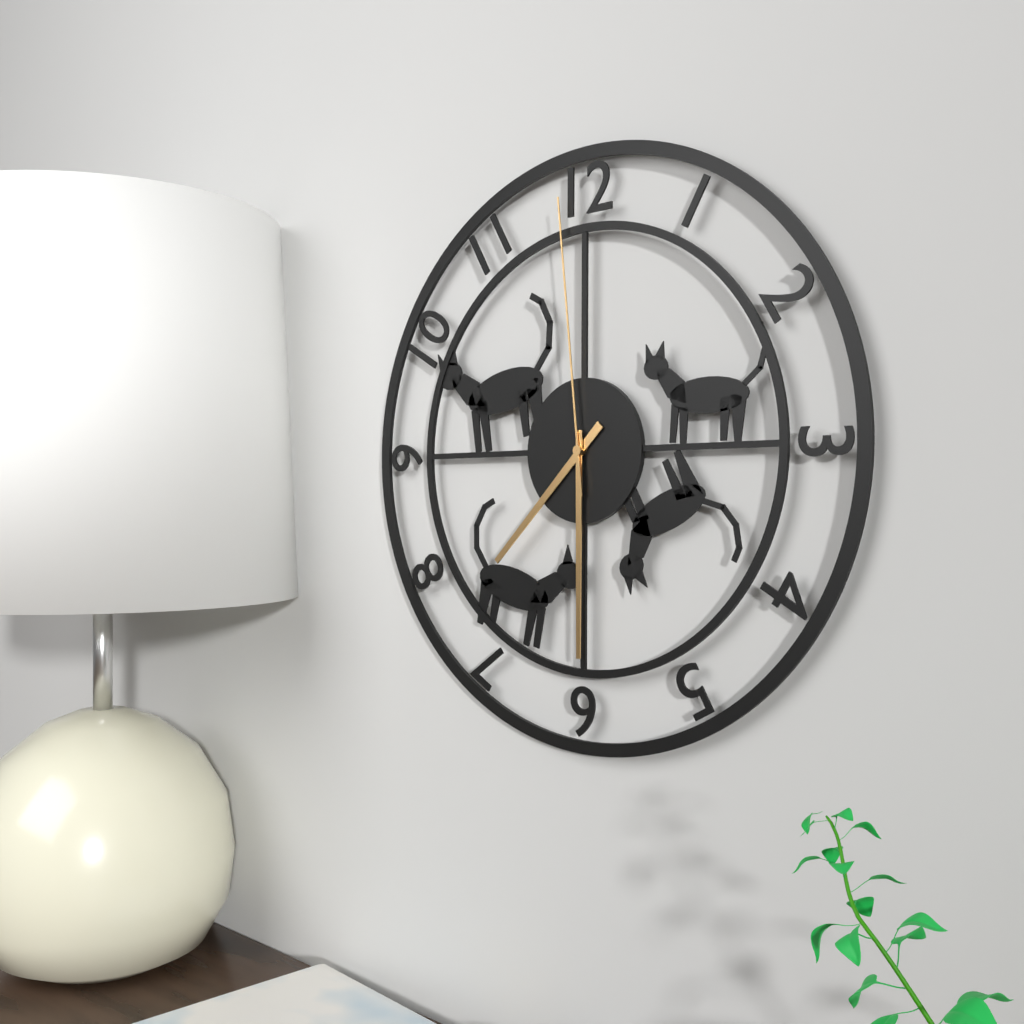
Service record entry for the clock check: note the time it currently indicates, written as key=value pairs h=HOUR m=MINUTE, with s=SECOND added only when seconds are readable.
h=7 m=30 s=59
